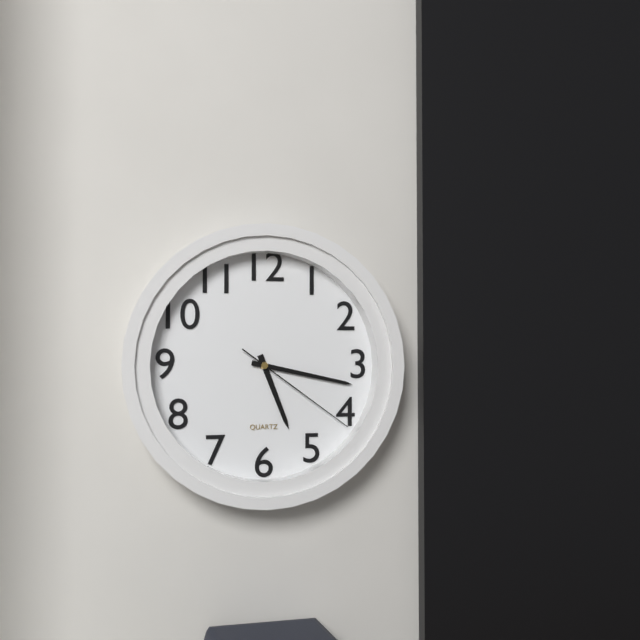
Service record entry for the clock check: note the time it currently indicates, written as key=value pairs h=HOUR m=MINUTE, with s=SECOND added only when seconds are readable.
h=5 m=17 s=21
